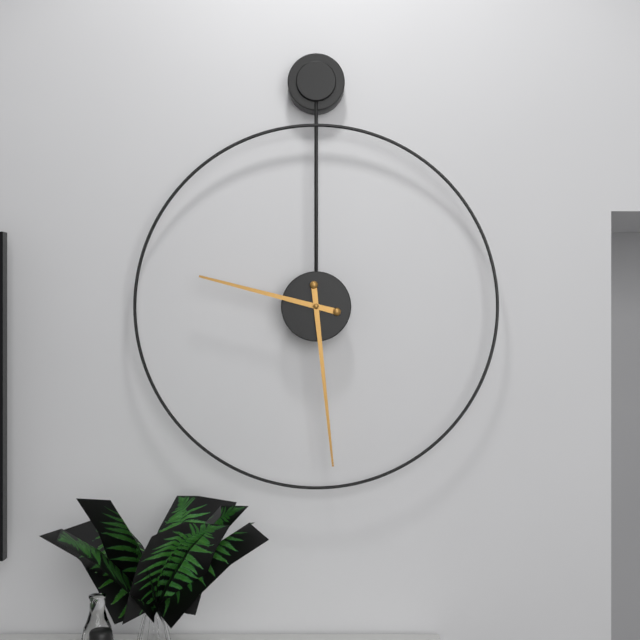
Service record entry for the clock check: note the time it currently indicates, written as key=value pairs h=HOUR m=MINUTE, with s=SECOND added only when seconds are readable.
h=9 m=29
